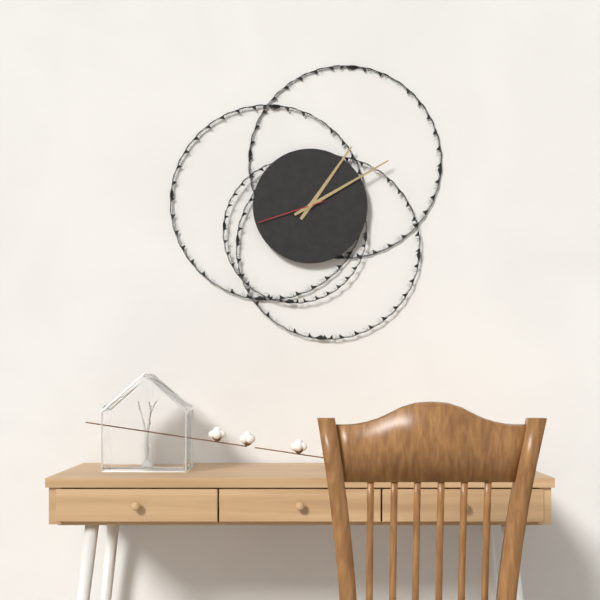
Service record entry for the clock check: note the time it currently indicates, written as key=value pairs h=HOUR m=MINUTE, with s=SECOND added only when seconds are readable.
h=1 m=10 s=42
